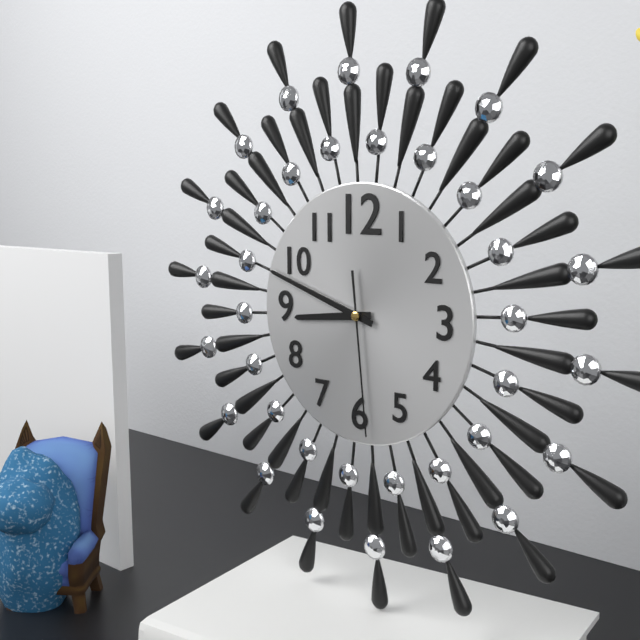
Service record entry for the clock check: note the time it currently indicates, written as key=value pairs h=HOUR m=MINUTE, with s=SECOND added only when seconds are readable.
h=8 m=48 s=29
